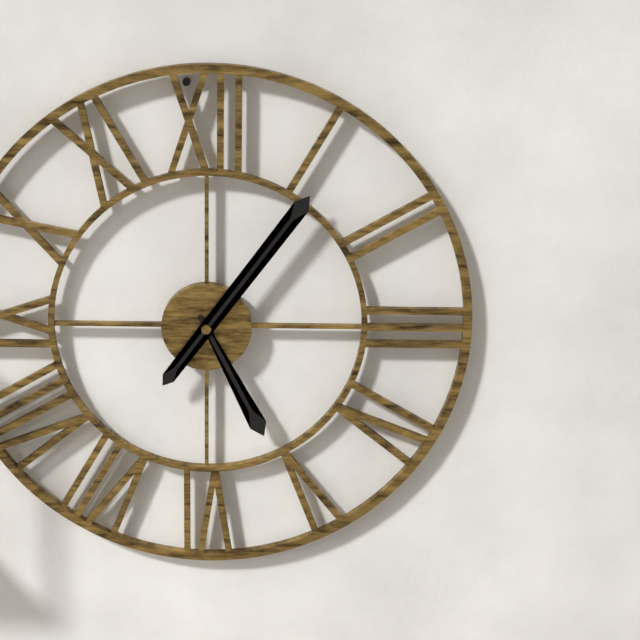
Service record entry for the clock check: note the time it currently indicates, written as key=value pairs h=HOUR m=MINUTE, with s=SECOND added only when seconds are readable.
h=5 m=6
